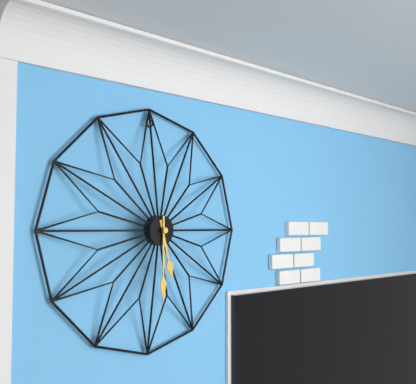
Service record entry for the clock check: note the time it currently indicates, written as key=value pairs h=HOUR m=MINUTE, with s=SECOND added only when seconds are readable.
h=5 m=30
